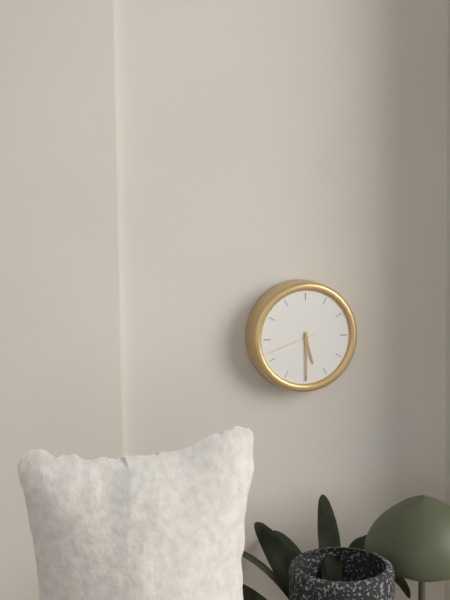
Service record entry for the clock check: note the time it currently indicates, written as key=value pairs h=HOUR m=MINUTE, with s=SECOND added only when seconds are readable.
h=5 m=30 s=42
